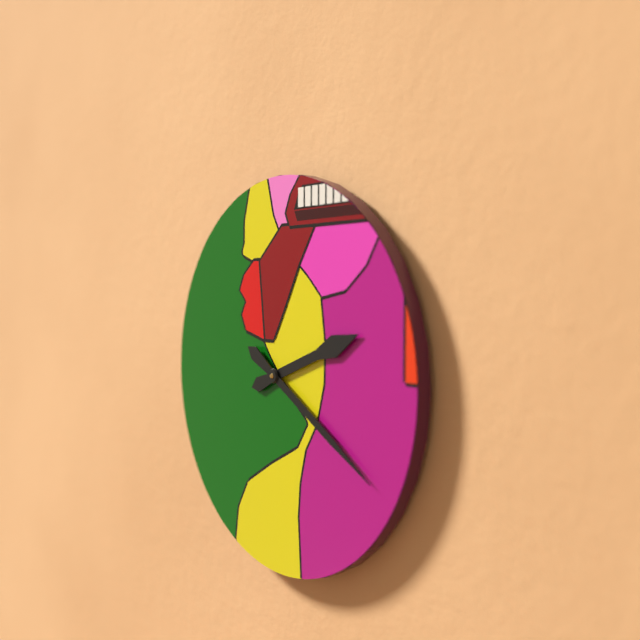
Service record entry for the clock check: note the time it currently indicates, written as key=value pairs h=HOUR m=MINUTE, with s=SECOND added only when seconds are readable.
h=2 m=20
